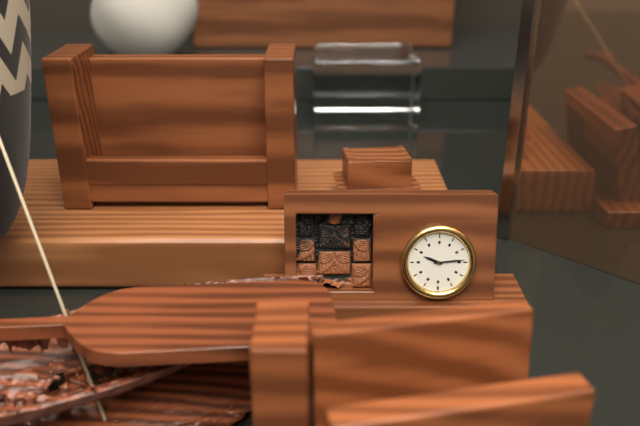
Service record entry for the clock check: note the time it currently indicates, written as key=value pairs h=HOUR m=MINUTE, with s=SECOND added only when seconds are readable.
h=3 m=44
